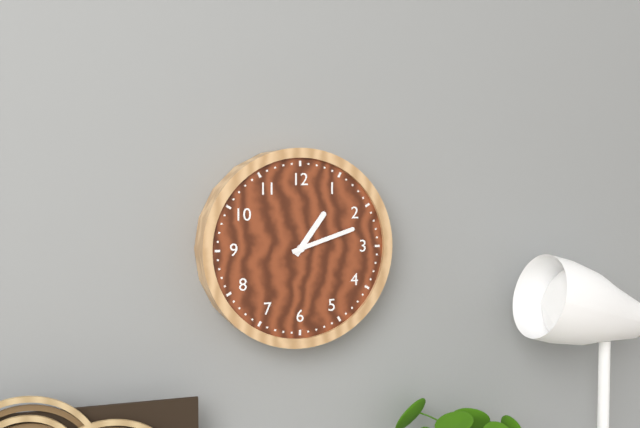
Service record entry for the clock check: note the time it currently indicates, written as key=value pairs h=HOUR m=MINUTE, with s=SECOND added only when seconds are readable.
h=1 m=12
